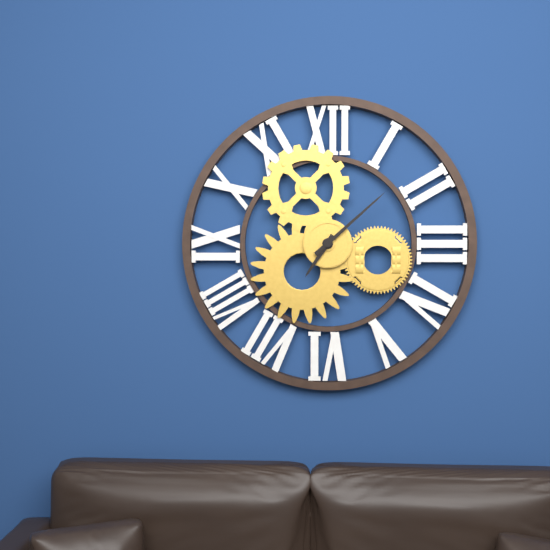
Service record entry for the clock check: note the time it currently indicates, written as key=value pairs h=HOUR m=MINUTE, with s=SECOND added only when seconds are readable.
h=7 m=8
